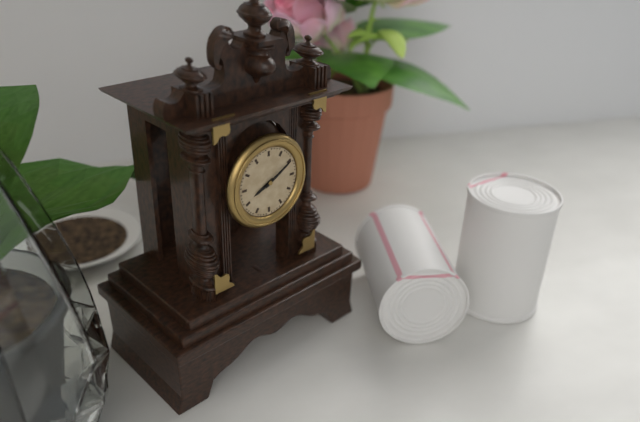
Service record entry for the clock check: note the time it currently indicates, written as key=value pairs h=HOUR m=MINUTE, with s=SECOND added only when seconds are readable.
h=8 m=10
